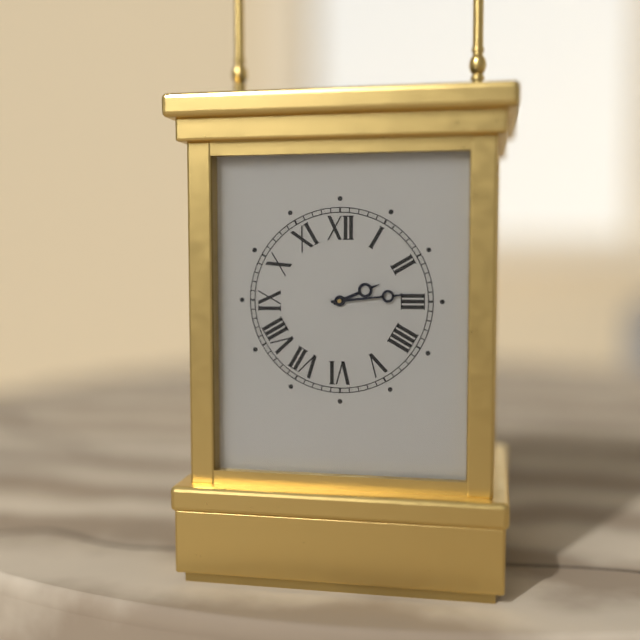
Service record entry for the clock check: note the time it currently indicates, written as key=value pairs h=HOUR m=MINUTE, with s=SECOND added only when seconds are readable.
h=2 m=14
